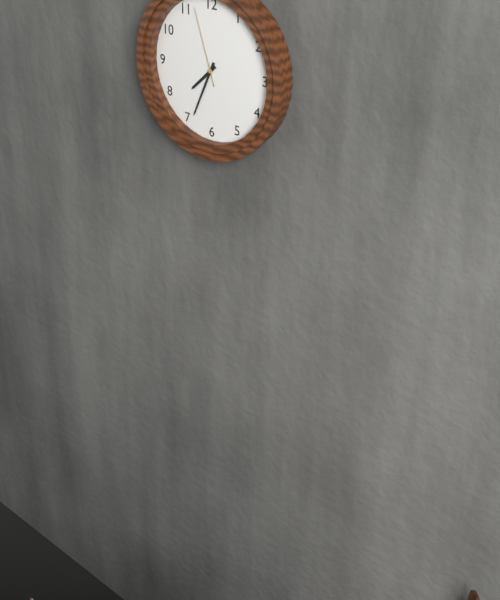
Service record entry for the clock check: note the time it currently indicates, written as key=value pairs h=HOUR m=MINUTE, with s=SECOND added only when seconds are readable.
h=7 m=34 s=57
